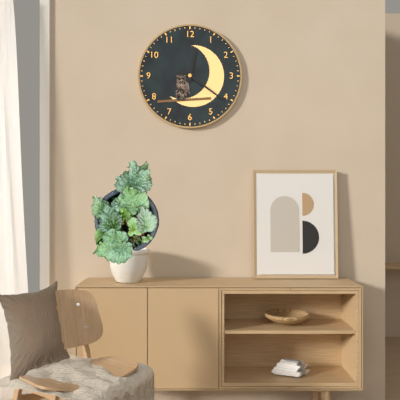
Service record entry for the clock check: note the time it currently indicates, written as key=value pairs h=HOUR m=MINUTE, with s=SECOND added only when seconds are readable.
h=12 m=21
